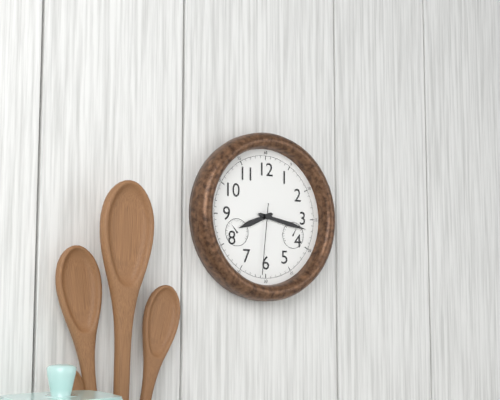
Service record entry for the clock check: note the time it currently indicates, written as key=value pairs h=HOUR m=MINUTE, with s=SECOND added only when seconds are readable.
h=8 m=17 s=31
